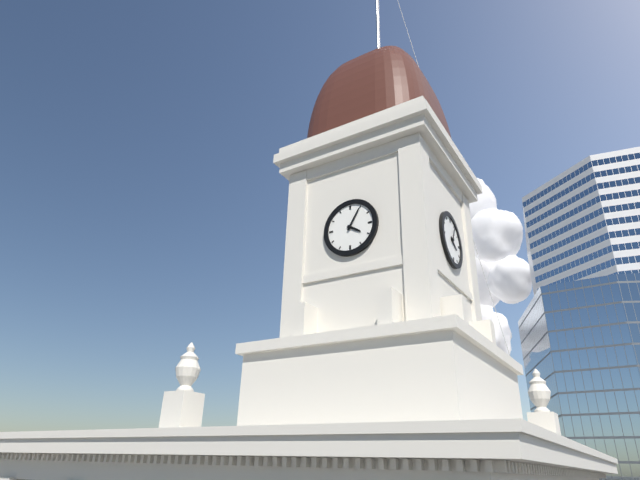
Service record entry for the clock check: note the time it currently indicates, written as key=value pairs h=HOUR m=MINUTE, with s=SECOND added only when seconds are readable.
h=4 m=5
